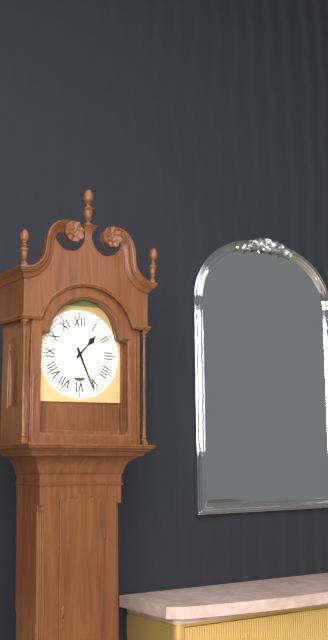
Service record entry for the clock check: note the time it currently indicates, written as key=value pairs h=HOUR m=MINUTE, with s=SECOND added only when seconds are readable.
h=1 m=26
